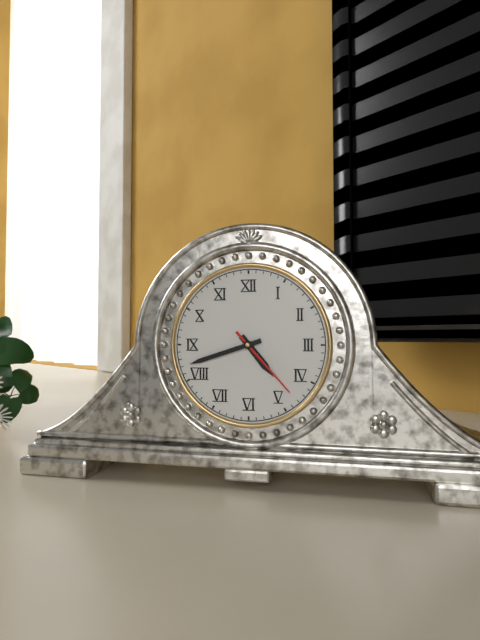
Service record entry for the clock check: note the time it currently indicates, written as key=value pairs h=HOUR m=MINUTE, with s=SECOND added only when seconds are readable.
h=4 m=42 s=23
